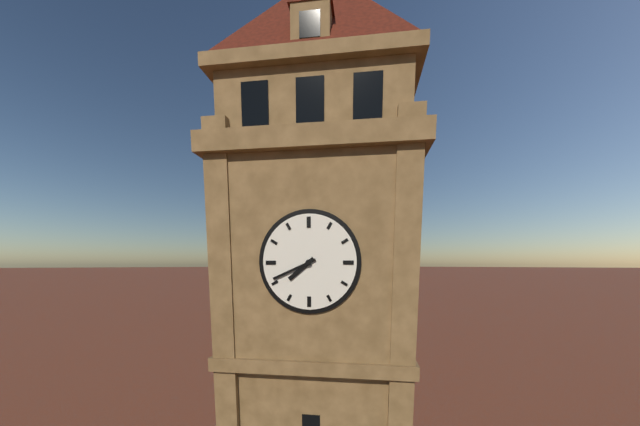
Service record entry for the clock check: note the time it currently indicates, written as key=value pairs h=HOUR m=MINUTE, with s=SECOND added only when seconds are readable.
h=7 m=41
